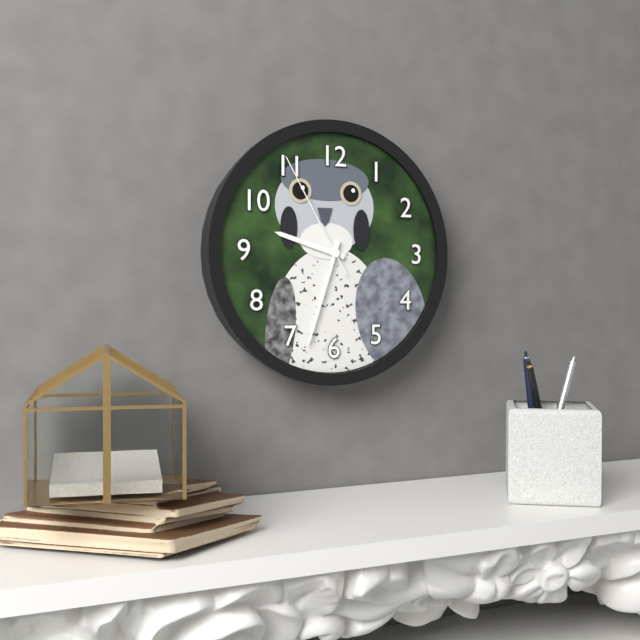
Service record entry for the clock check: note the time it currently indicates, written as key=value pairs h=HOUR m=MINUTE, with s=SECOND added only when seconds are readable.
h=9 m=33 s=55
